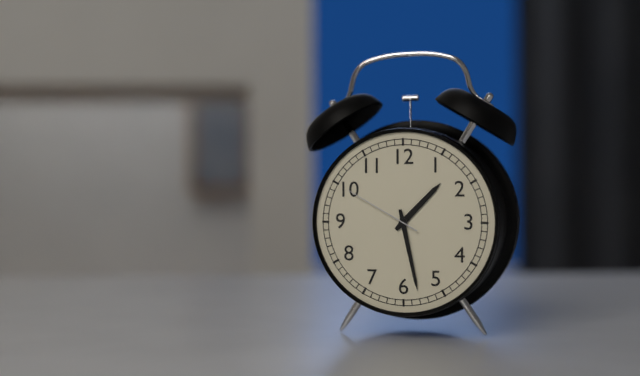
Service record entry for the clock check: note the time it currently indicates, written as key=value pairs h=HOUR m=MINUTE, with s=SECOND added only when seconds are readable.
h=1 m=28 s=50
